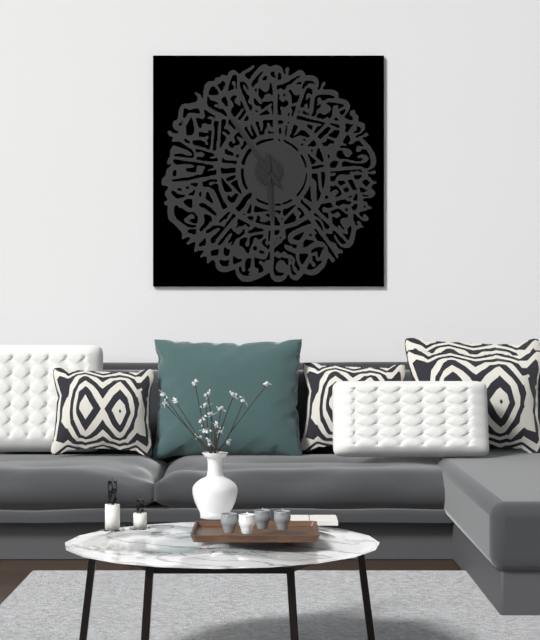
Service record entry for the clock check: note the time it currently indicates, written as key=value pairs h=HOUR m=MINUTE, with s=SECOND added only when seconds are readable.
h=5 m=54
